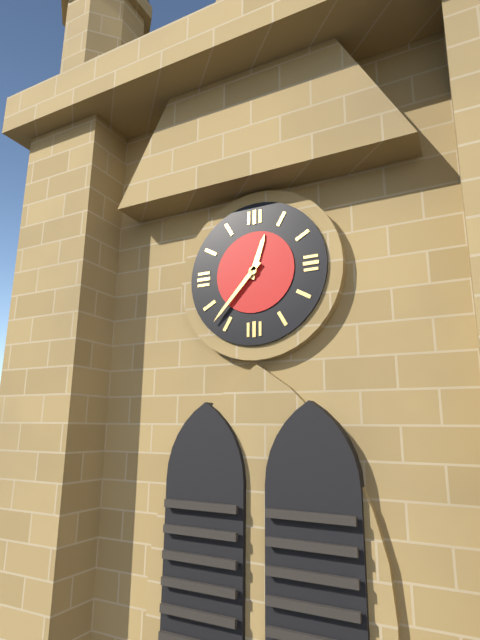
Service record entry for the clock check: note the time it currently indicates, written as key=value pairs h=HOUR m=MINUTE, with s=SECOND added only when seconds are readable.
h=12 m=37
